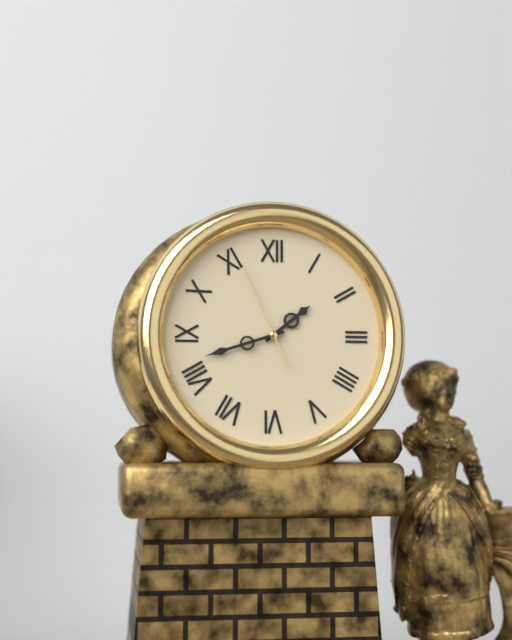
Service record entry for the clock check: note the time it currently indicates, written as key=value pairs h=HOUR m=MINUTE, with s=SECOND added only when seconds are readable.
h=1 m=42 s=56
